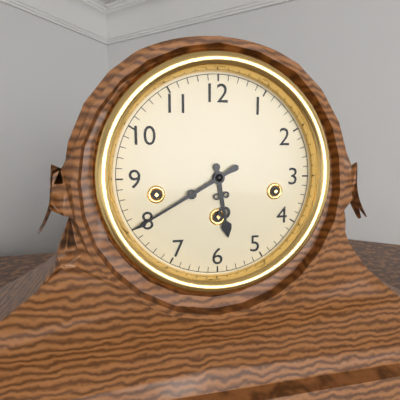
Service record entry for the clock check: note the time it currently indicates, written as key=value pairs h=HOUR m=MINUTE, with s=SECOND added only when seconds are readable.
h=5 m=40
